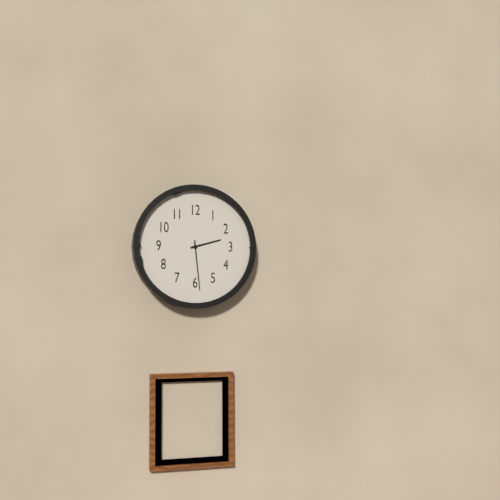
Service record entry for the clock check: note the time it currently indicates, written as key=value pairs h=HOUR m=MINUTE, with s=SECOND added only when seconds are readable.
h=2 m=29
